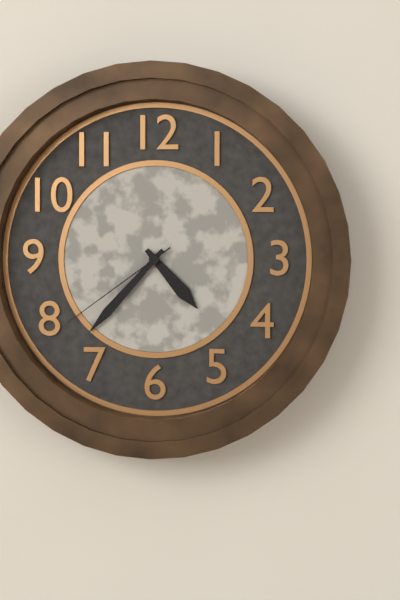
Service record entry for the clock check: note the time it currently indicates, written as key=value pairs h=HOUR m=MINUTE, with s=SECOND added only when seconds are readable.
h=4 m=37 s=39
